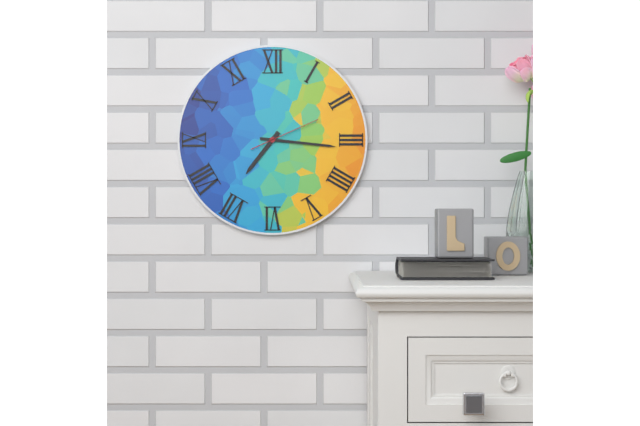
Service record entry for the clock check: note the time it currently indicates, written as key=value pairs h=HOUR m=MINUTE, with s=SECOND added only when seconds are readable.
h=7 m=16 s=11
